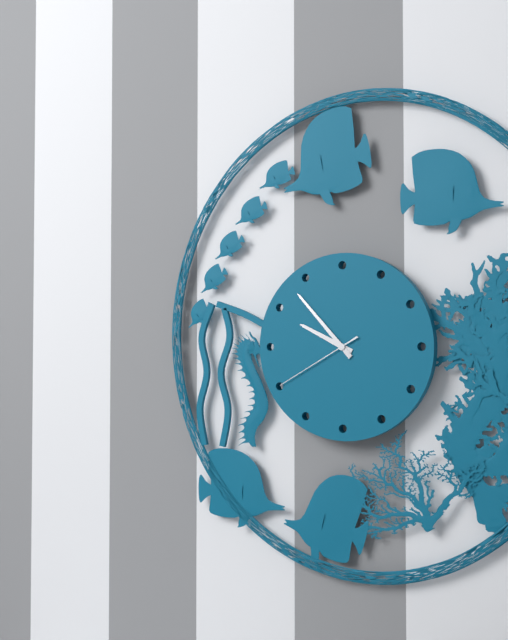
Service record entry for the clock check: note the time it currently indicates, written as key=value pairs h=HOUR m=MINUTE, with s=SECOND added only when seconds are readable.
h=9 m=53 s=40
